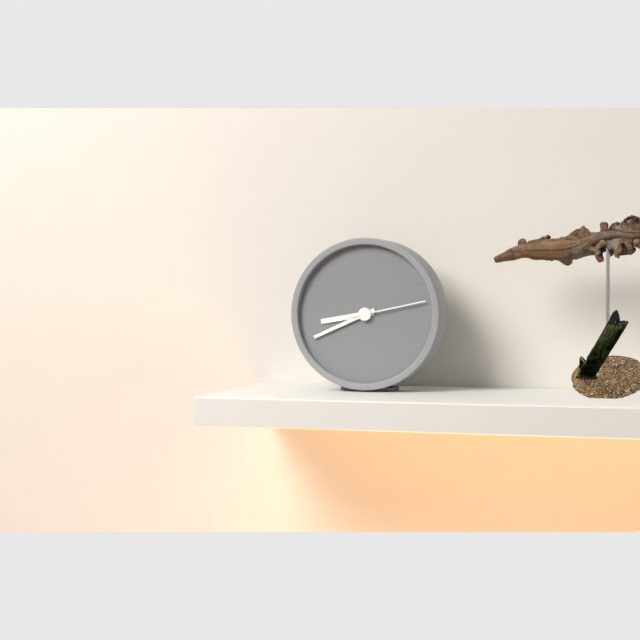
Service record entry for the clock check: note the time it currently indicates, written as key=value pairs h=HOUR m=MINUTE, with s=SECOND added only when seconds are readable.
h=8 m=41 s=13
